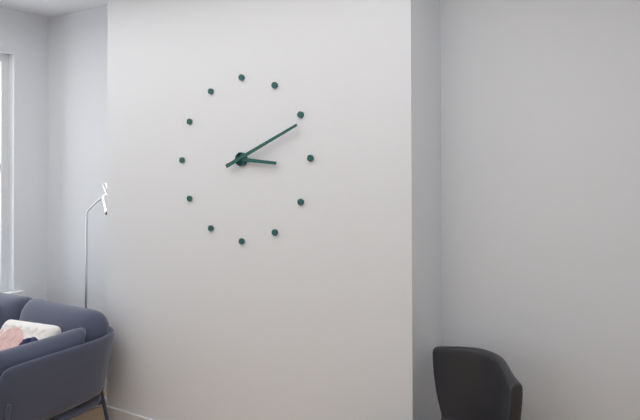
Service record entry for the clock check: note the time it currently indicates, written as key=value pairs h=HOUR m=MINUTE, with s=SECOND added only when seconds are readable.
h=3 m=11
